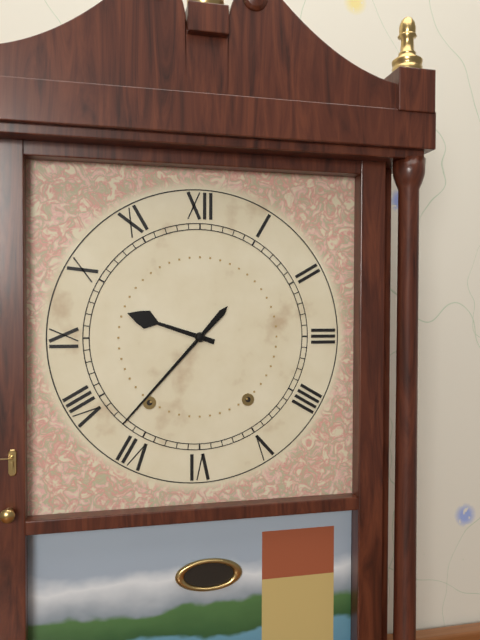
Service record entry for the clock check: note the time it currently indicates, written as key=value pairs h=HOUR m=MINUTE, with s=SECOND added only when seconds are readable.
h=9 m=37
